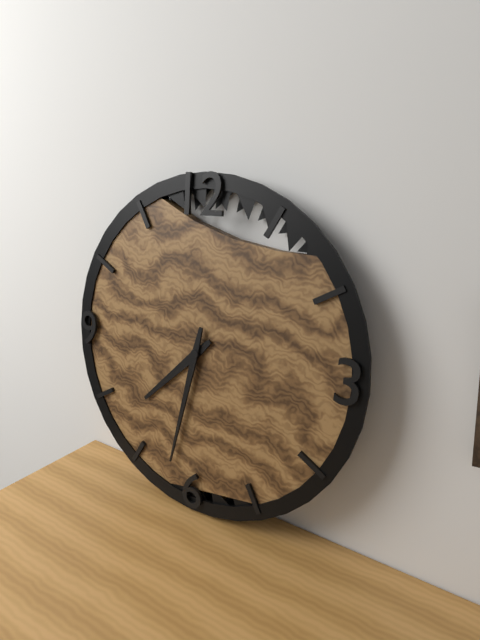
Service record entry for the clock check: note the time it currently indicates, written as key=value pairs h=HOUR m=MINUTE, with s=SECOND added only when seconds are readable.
h=7 m=32
